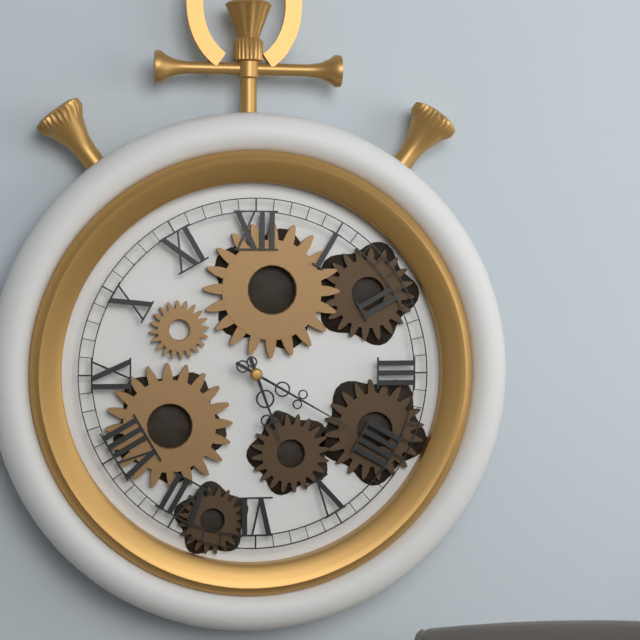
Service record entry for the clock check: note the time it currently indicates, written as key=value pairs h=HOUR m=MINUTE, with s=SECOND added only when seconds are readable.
h=5 m=20
